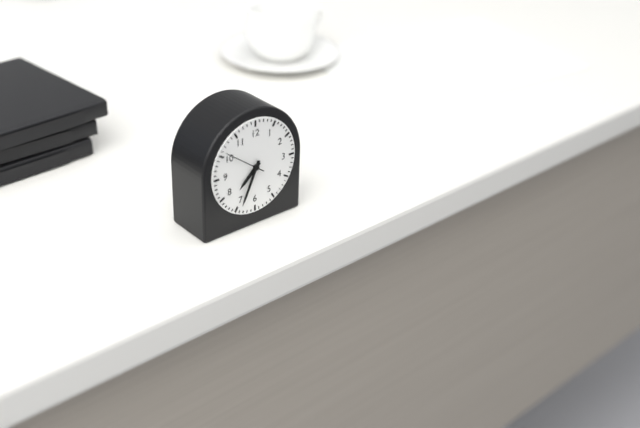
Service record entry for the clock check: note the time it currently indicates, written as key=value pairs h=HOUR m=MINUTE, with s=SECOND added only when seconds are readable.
h=7 m=34
